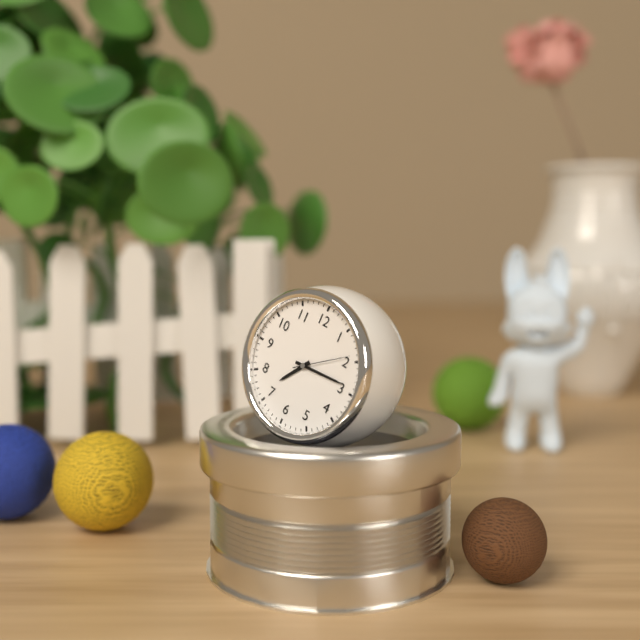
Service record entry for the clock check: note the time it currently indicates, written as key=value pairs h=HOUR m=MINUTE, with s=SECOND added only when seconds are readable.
h=7 m=14 s=9
